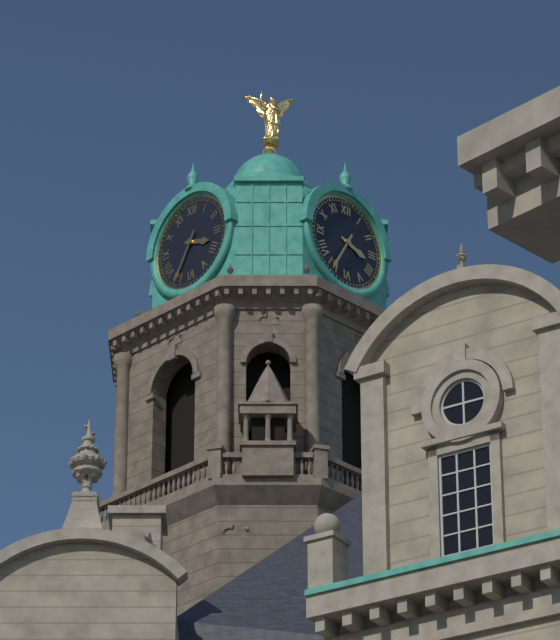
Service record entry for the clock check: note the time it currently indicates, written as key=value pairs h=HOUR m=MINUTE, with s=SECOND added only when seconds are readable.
h=3 m=35
